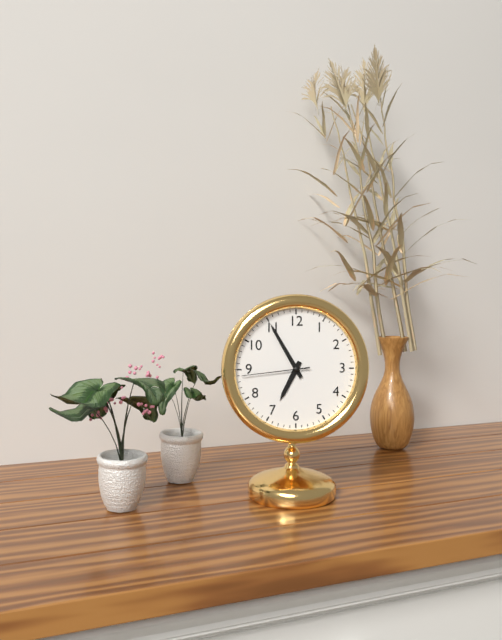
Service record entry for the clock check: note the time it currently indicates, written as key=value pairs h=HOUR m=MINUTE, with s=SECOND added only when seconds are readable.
h=6 m=55 s=44
